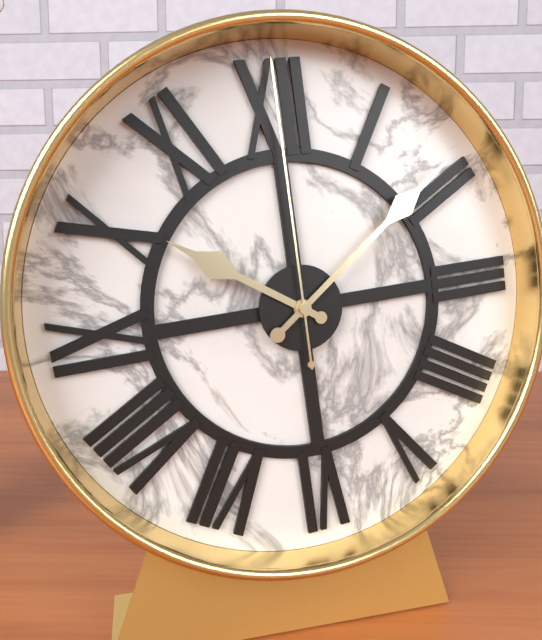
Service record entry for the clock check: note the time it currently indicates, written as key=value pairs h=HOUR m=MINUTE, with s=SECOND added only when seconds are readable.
h=10 m=9 s=0
